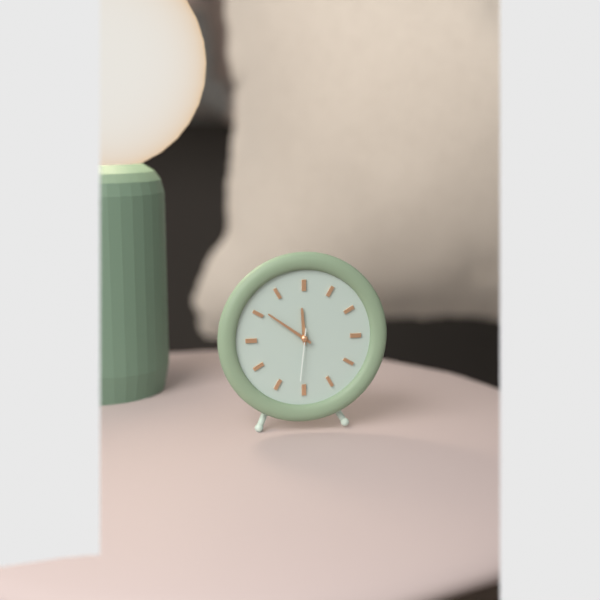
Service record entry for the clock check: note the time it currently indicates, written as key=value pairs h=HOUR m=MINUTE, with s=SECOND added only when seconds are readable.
h=11 m=51 s=31
